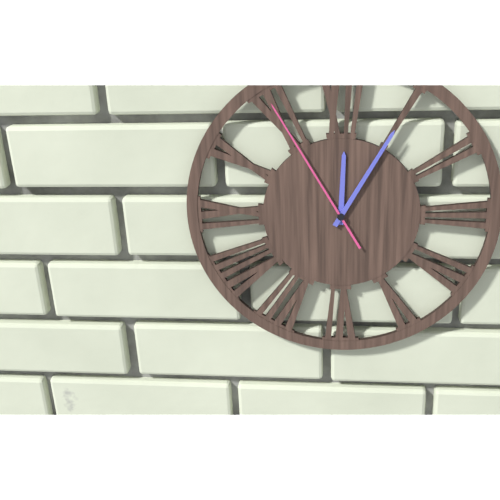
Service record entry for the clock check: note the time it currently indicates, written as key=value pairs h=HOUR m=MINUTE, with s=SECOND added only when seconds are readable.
h=12 m=5 s=55
